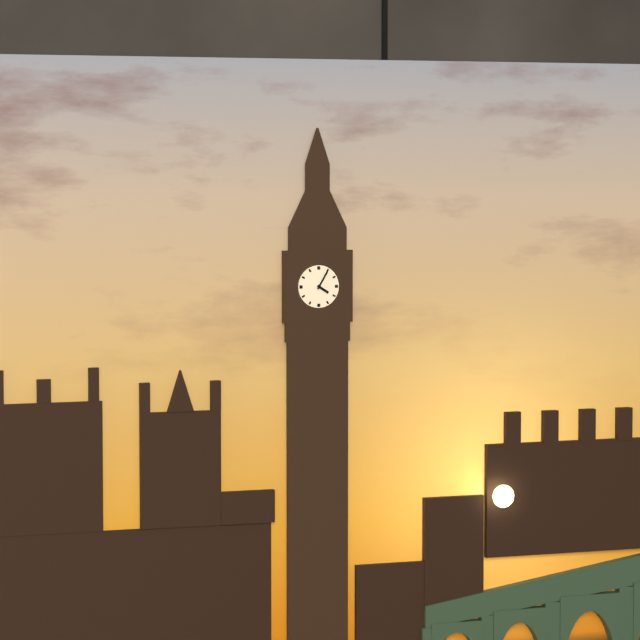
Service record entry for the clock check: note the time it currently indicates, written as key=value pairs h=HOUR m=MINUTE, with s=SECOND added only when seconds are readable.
h=4 m=5
